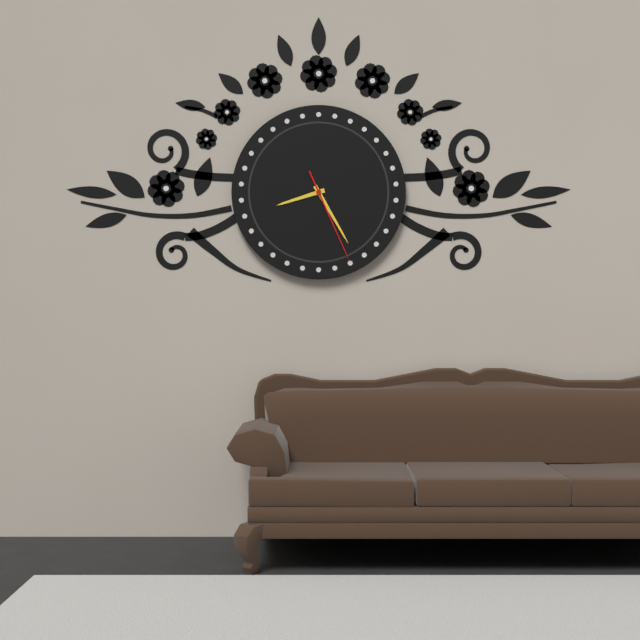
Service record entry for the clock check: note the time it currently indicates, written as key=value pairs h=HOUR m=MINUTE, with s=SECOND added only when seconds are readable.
h=8 m=25 s=26
